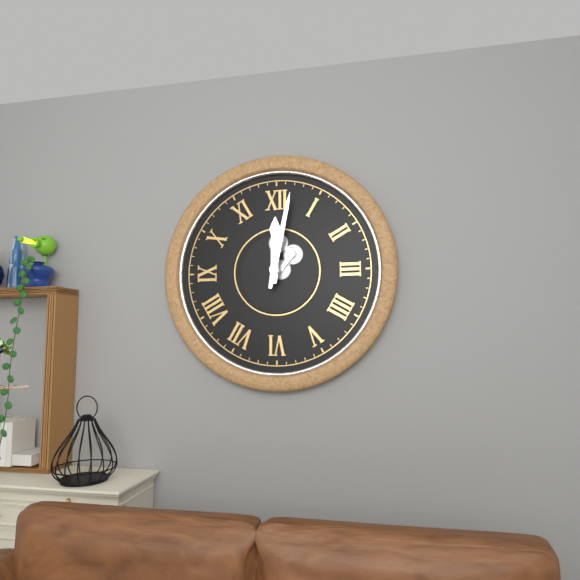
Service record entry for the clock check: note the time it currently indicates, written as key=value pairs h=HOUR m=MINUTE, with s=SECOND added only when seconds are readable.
h=12 m=2
